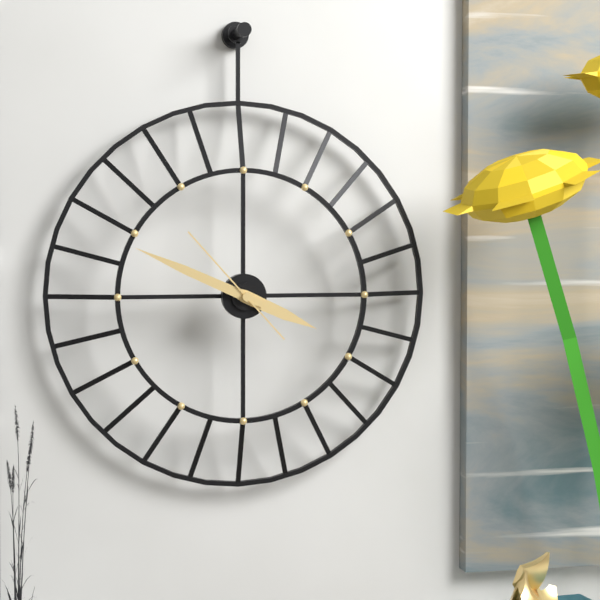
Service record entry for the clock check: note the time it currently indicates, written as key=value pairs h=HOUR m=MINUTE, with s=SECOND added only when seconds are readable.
h=3 m=49 s=53
